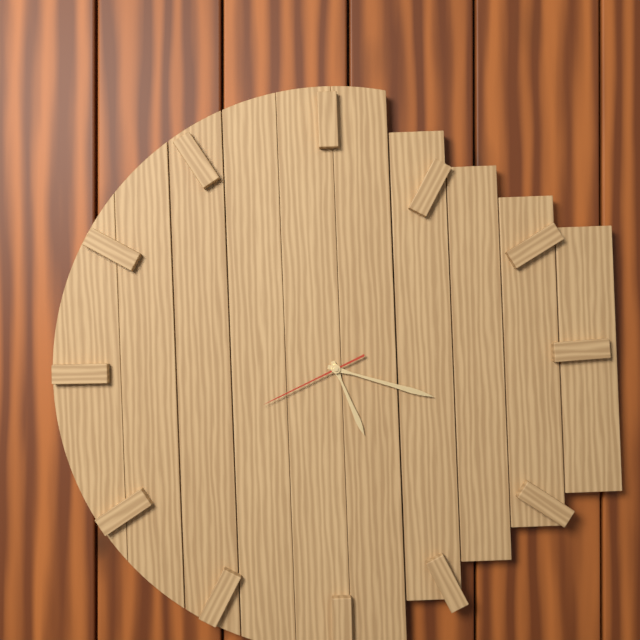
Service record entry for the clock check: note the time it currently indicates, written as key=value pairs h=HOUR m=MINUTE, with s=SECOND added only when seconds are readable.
h=5 m=18 s=41
